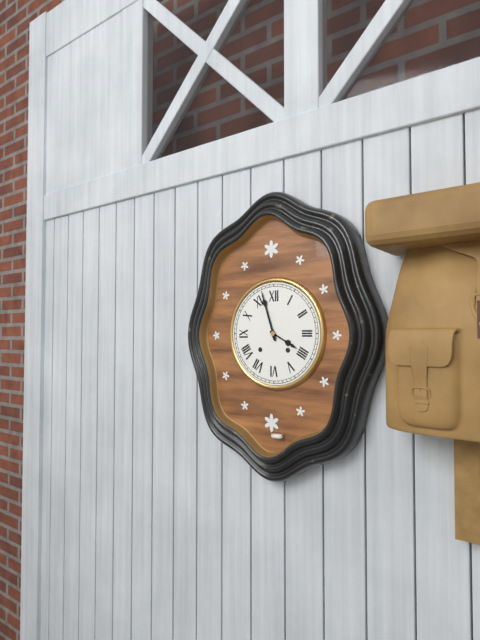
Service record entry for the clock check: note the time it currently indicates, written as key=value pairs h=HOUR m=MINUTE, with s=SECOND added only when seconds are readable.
h=3 m=57
